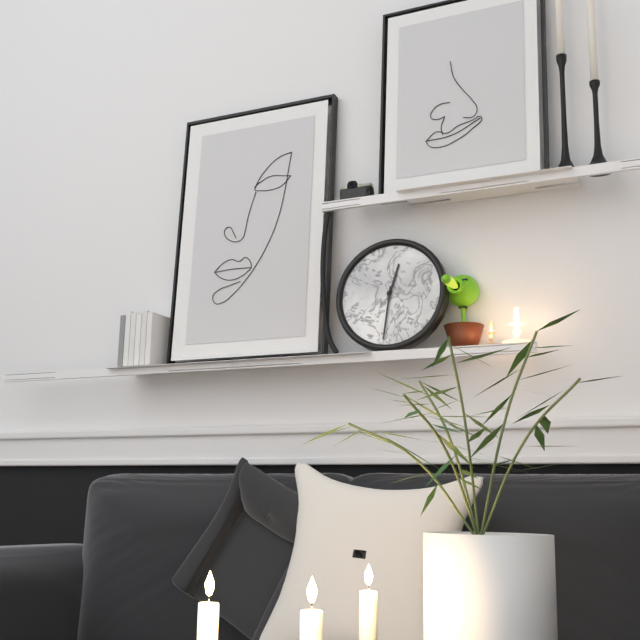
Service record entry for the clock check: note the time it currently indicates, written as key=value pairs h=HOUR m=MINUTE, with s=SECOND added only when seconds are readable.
h=12 m=31
